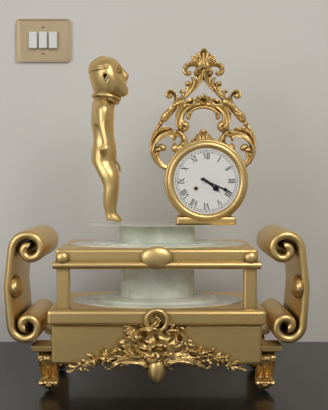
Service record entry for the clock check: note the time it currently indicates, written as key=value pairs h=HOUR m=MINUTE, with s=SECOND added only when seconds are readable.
h=4 m=19
